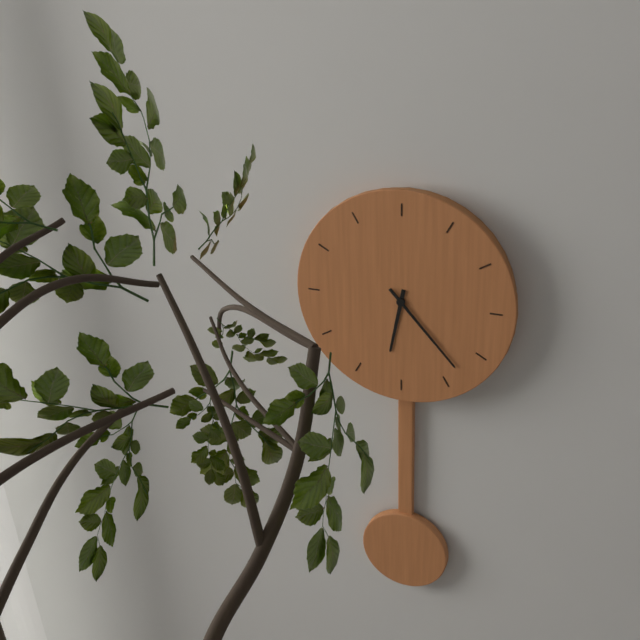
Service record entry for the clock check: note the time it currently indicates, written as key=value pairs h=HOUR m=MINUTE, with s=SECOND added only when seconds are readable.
h=6 m=23
